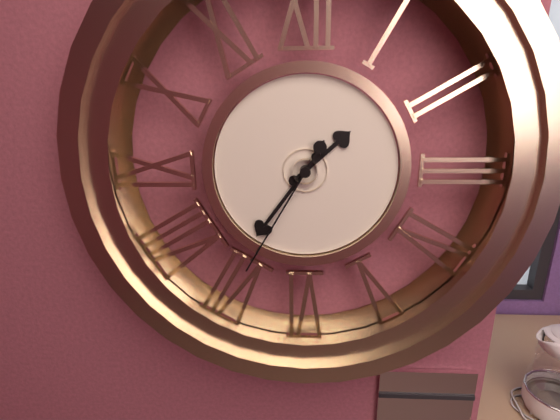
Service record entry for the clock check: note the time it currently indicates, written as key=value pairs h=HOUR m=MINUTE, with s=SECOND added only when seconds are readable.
h=1 m=36 s=35
